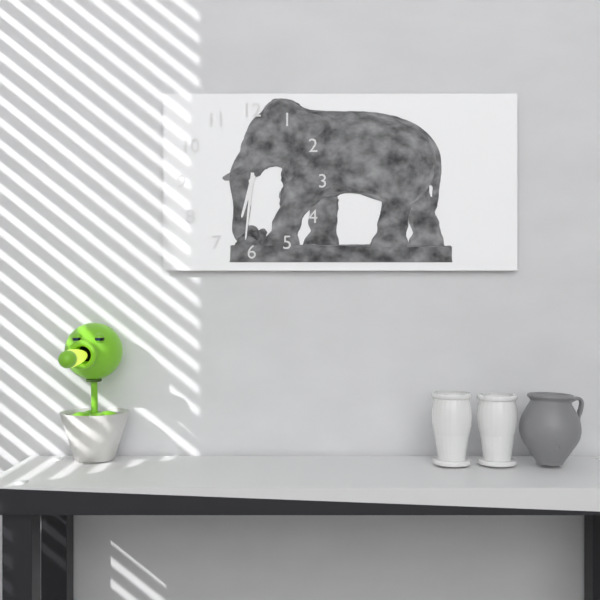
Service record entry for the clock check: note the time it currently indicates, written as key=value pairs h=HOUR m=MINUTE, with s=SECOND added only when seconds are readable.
h=6 m=31
